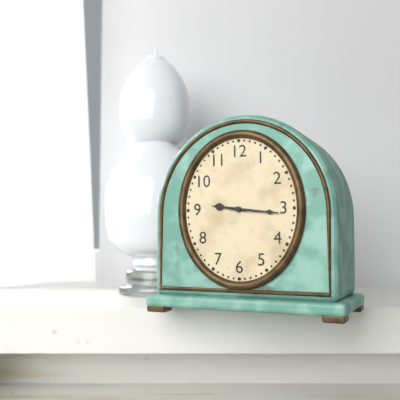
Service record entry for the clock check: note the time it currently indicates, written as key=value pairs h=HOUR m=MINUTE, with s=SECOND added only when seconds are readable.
h=9 m=16
